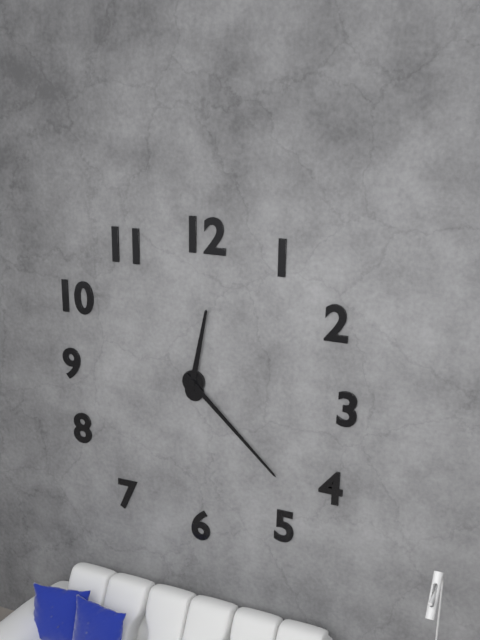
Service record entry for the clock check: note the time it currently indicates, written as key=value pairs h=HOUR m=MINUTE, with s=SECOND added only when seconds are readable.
h=12 m=22
